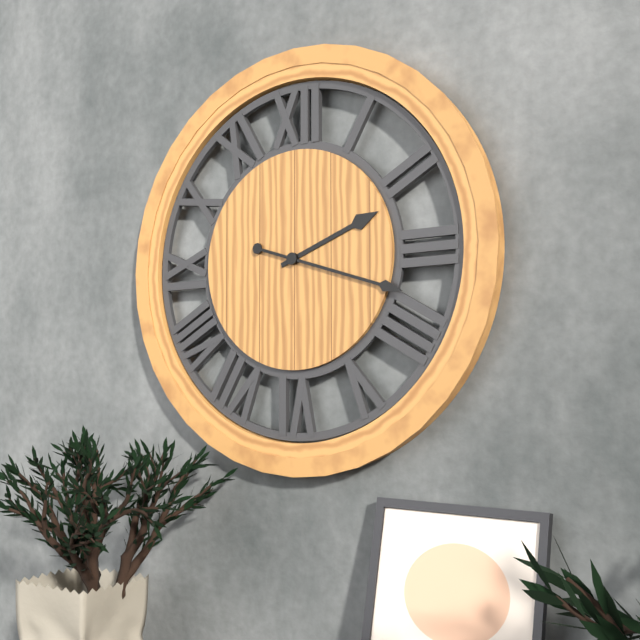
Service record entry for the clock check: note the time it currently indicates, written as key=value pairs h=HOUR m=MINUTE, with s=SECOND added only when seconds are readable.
h=2 m=18
